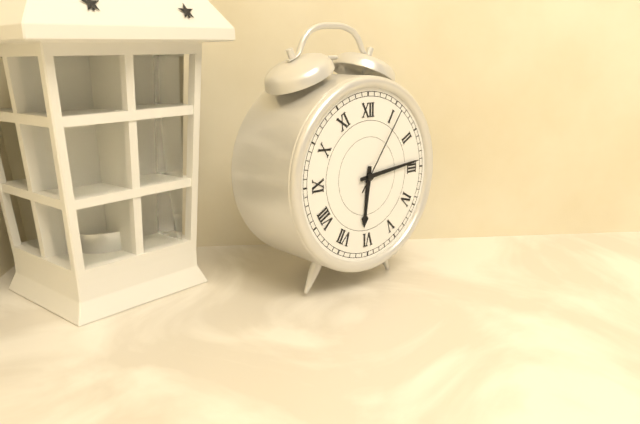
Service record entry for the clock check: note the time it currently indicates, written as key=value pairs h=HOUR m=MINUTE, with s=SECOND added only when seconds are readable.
h=6 m=14 s=6
